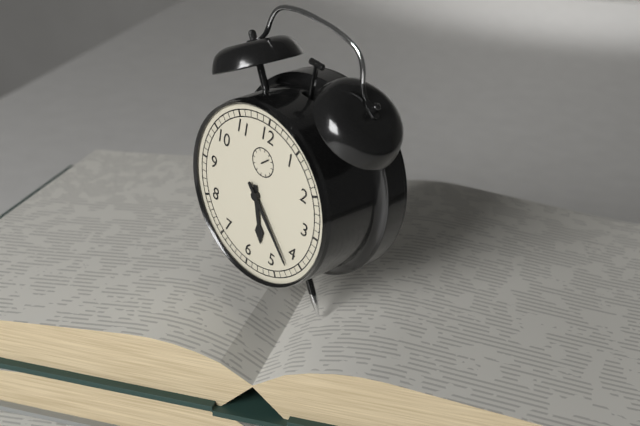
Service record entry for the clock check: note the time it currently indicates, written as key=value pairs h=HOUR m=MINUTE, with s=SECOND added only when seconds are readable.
h=5 m=22
